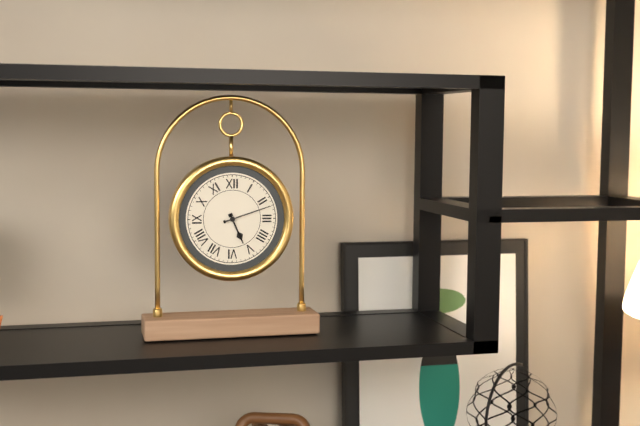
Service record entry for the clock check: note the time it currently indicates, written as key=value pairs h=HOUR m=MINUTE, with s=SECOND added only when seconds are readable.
h=5 m=12
